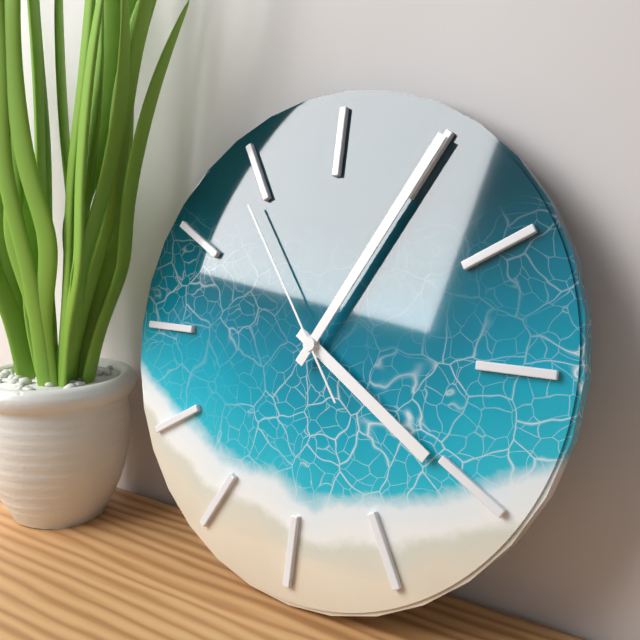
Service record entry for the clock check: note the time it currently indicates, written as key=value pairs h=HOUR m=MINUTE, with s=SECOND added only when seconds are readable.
h=4 m=5 s=54
